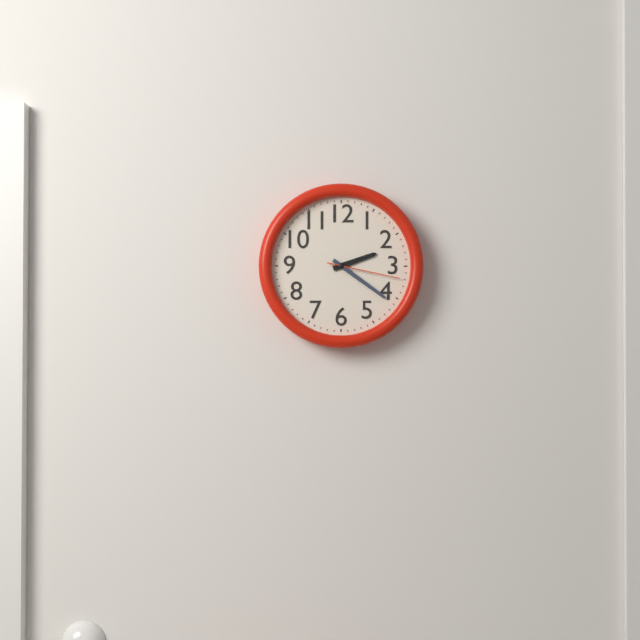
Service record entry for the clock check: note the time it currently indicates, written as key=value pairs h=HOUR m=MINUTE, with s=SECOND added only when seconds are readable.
h=2 m=21 s=17
